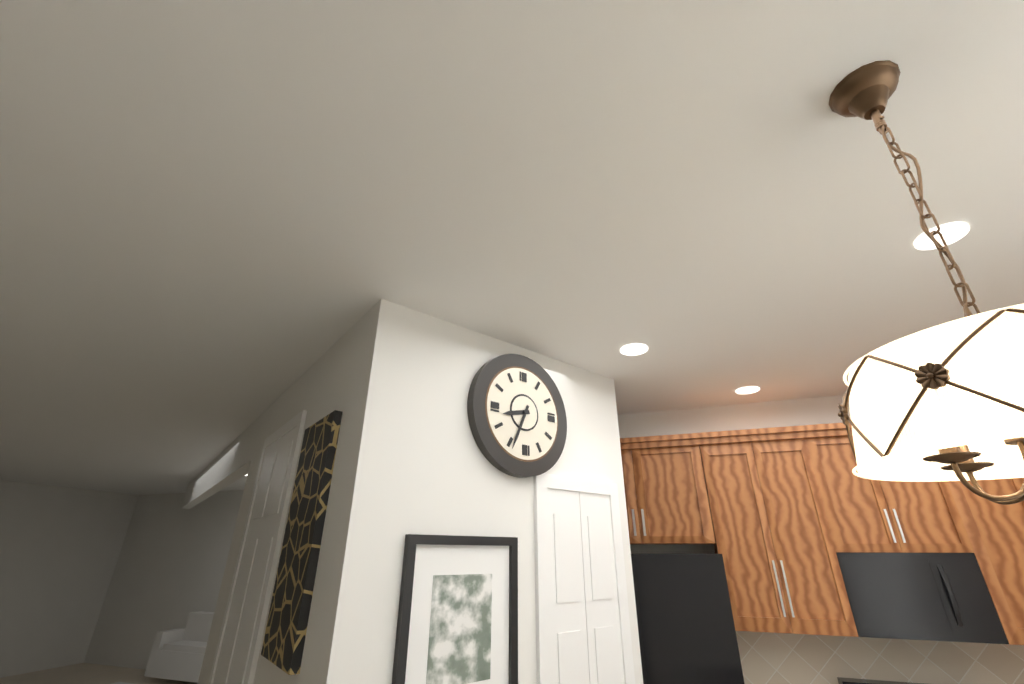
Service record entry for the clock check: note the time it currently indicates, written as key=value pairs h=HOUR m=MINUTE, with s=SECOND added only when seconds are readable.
h=8 m=34
